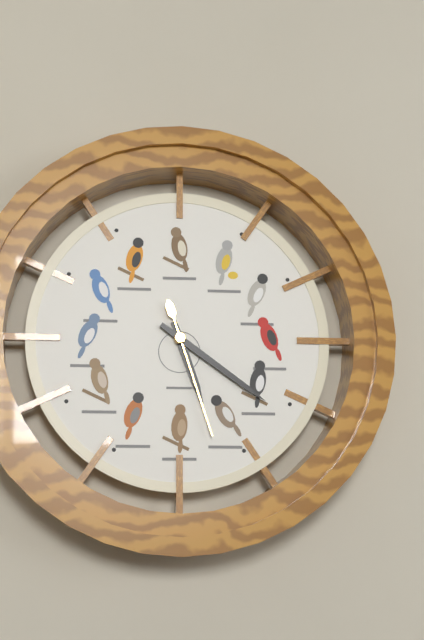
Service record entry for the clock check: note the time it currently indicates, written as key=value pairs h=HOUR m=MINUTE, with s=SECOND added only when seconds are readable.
h=5 m=21 s=27
